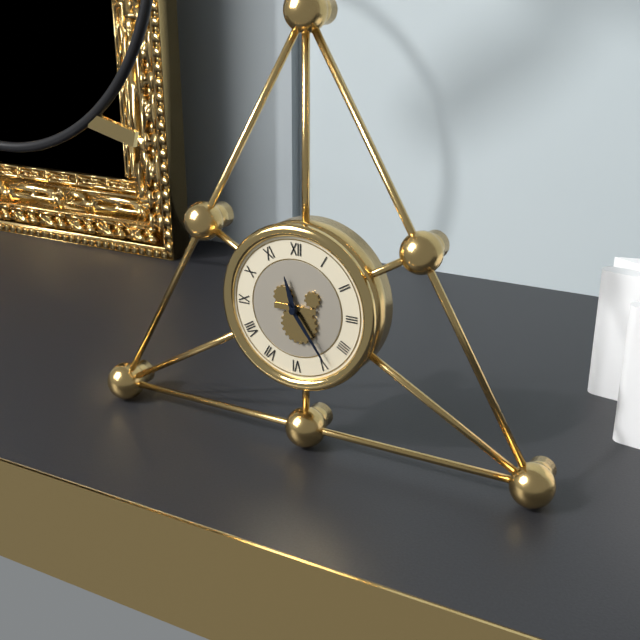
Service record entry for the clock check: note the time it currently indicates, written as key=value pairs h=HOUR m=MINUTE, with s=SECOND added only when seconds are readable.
h=11 m=24
